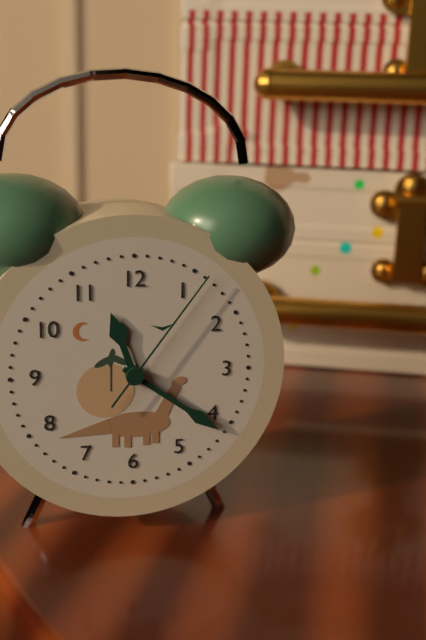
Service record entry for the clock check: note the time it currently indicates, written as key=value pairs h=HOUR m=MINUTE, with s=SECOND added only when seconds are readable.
h=11 m=21 s=6
